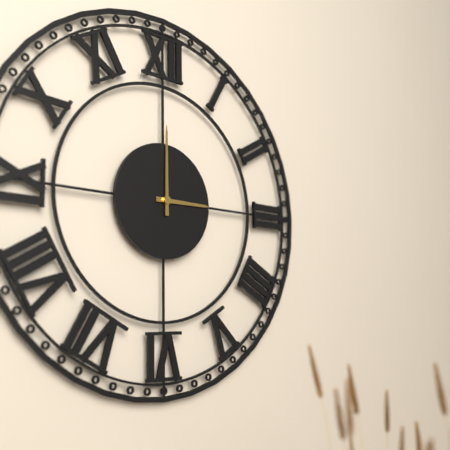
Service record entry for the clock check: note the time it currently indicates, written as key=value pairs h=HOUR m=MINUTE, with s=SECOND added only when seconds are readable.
h=3 m=0
